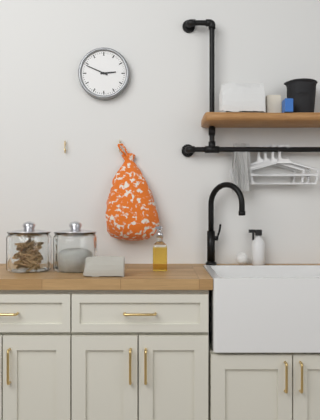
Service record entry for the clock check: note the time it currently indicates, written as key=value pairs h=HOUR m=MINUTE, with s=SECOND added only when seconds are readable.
h=2 m=49
